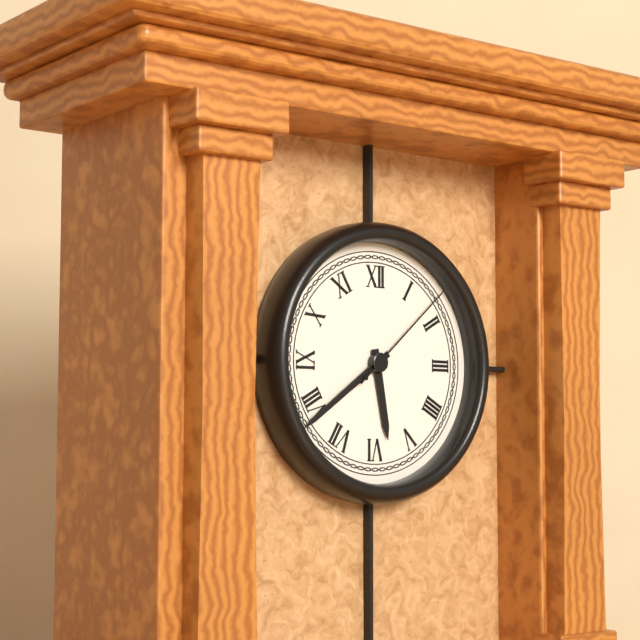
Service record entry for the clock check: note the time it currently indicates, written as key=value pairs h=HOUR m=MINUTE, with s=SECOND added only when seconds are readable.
h=5 m=39 s=8
